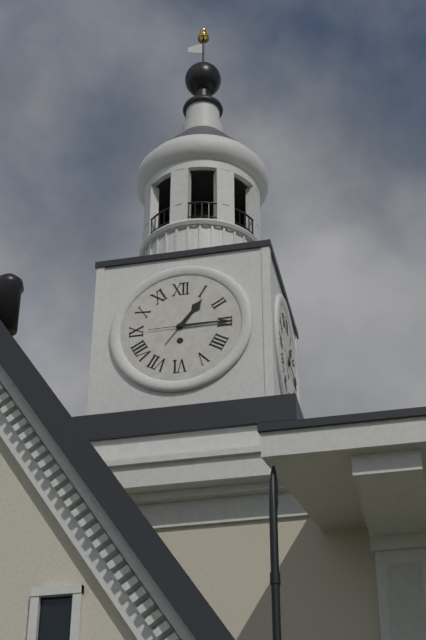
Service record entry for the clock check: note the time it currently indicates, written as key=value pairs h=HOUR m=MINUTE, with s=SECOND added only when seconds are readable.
h=1 m=15
